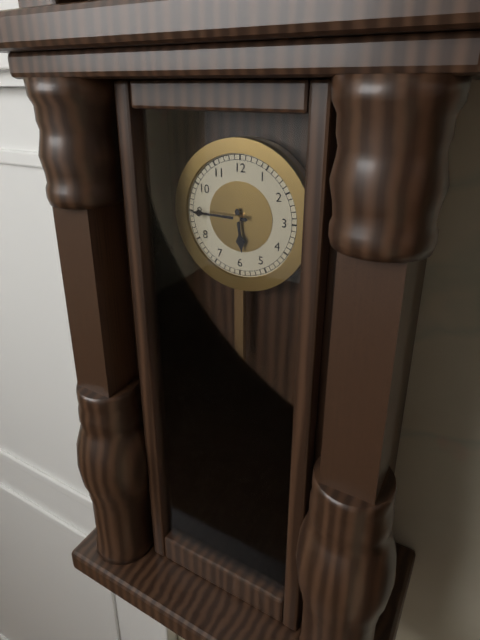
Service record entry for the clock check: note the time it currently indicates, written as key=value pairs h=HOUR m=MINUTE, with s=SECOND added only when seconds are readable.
h=5 m=45
